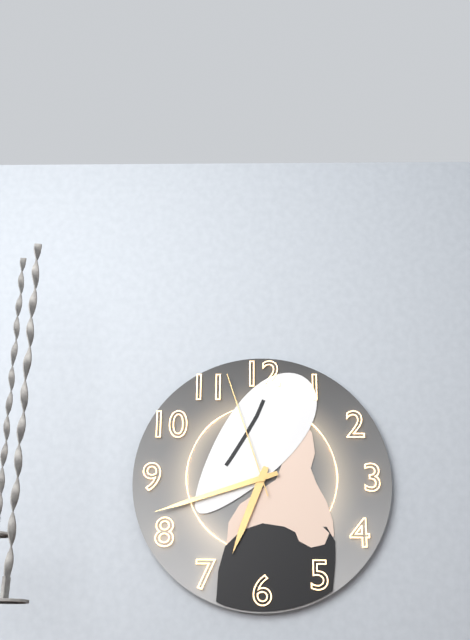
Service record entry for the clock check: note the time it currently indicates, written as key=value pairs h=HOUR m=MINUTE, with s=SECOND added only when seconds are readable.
h=6 m=42 s=57
